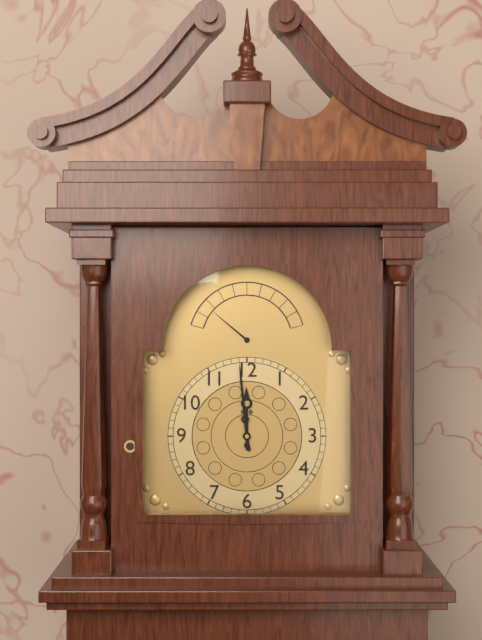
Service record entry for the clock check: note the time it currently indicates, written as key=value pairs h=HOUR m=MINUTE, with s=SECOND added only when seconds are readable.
h=11 m=59
